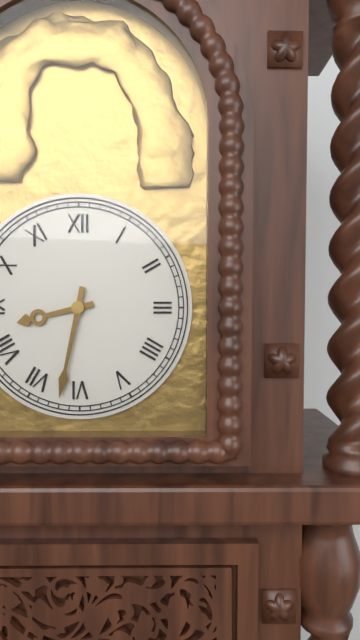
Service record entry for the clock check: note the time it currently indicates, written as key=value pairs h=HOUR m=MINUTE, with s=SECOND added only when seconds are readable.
h=8 m=32
